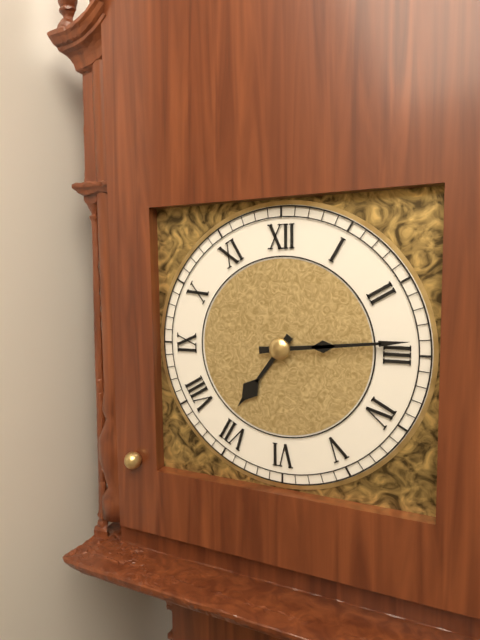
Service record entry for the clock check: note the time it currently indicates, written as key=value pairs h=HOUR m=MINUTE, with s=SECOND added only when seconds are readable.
h=7 m=14
